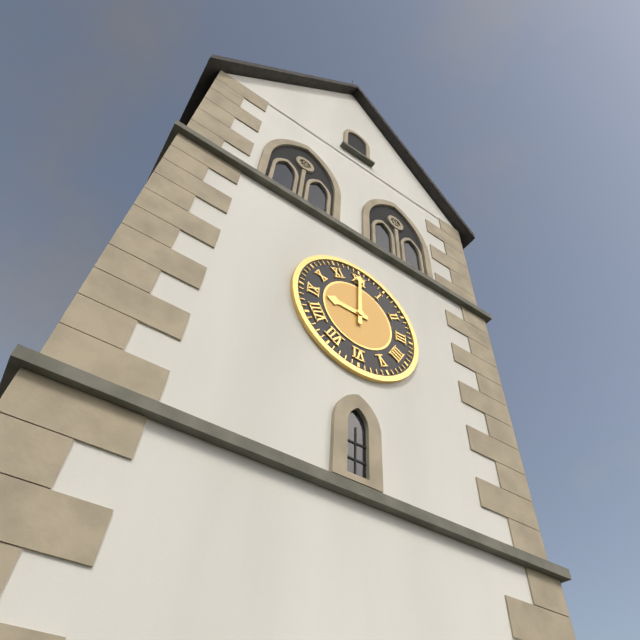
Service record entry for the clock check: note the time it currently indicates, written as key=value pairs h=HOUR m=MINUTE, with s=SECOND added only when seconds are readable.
h=9 m=0
